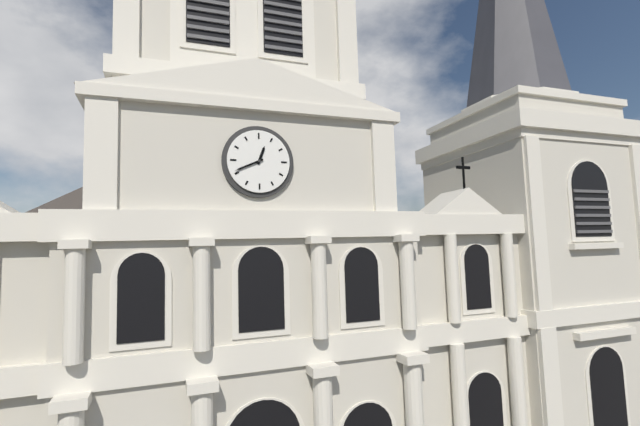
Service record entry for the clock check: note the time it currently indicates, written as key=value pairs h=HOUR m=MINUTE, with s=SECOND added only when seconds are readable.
h=12 m=41
